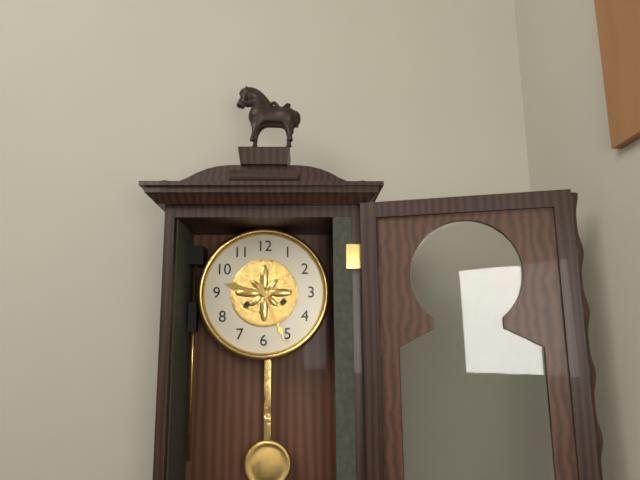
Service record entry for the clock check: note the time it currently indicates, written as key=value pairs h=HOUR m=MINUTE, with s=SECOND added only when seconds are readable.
h=9 m=26
